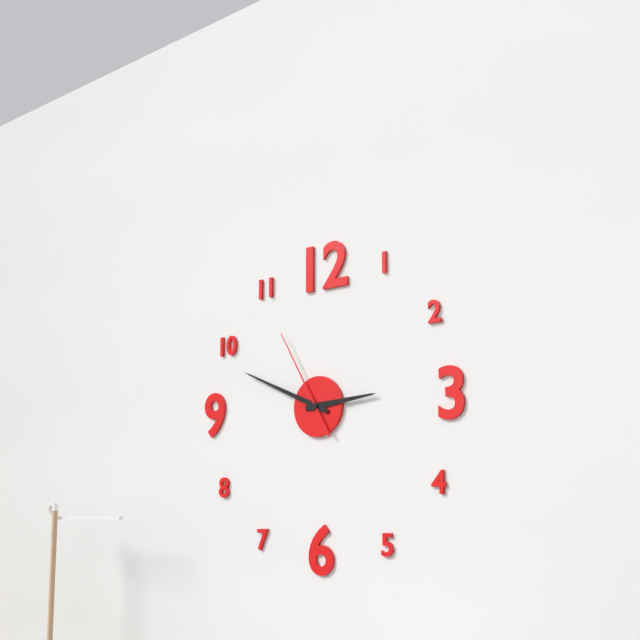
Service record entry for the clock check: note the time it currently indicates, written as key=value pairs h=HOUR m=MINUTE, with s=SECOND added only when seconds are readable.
h=2 m=49 s=55
